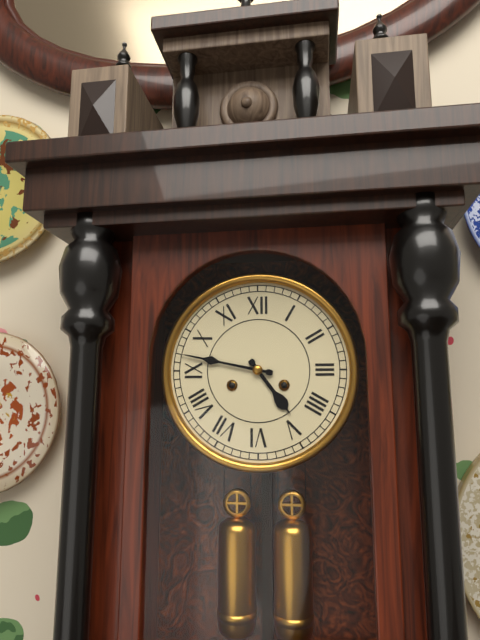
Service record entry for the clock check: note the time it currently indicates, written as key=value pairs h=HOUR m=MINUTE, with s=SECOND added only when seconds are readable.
h=4 m=47
